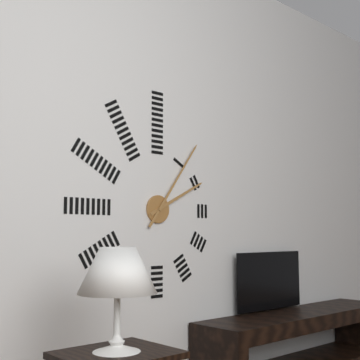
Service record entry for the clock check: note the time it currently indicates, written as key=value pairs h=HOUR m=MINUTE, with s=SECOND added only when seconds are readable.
h=2 m=6
